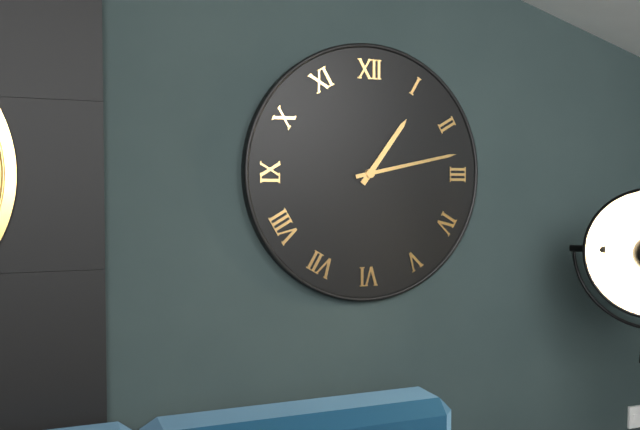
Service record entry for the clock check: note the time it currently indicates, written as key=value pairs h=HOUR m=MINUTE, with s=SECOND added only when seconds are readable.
h=1 m=13
